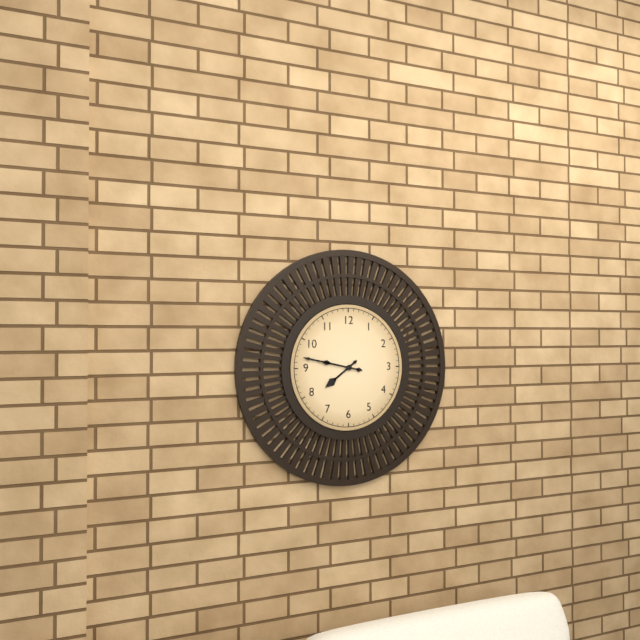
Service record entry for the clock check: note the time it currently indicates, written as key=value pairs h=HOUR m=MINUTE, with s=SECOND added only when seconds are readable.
h=7 m=47
